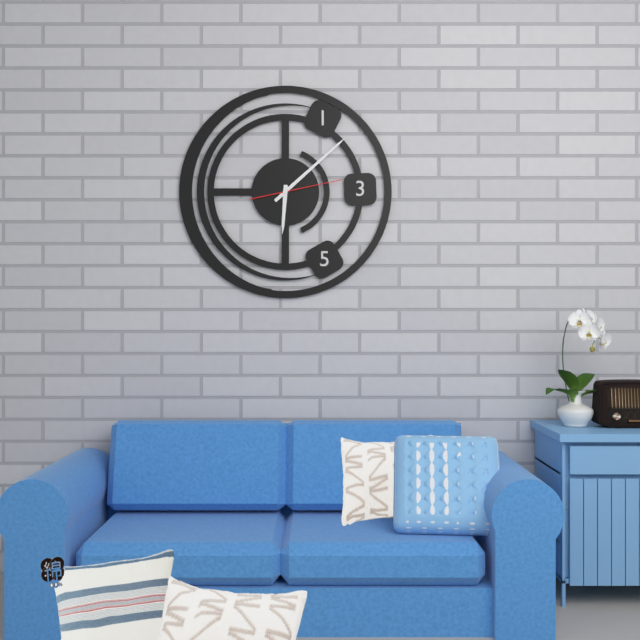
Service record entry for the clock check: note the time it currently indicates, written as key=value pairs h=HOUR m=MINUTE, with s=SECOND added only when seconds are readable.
h=6 m=8 s=13
